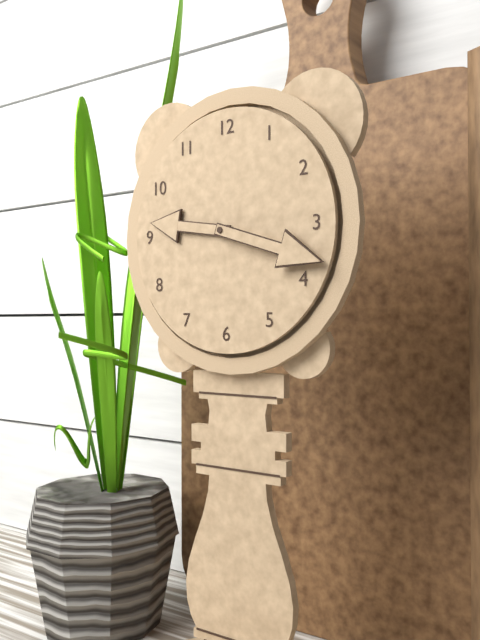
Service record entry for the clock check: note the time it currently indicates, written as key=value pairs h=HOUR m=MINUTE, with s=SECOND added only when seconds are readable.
h=9 m=18
